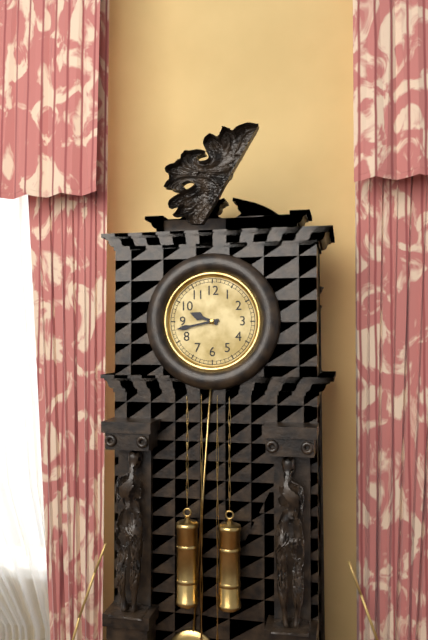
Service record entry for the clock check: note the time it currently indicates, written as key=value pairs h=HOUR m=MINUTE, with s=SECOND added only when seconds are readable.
h=9 m=43
